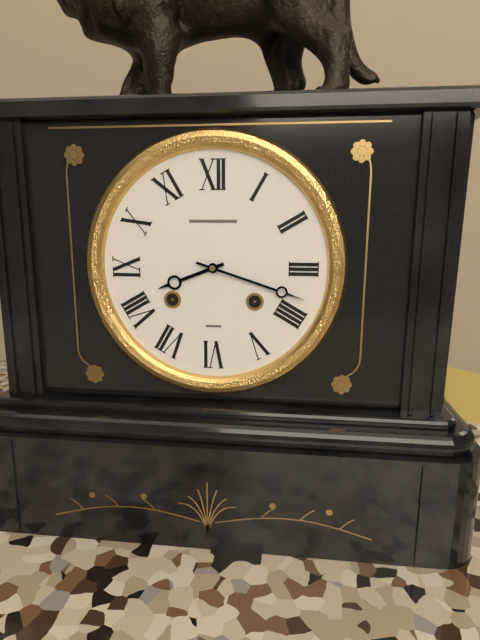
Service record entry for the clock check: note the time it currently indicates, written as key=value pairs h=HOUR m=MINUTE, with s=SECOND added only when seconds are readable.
h=8 m=18
